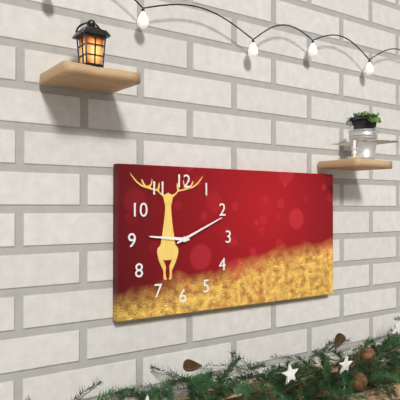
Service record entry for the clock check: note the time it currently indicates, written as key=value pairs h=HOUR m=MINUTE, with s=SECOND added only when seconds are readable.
h=9 m=11
